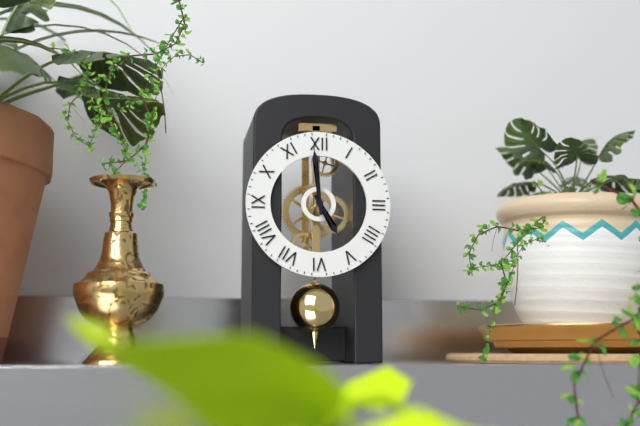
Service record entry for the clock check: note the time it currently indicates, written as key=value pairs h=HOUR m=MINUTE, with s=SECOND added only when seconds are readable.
h=4 m=59
